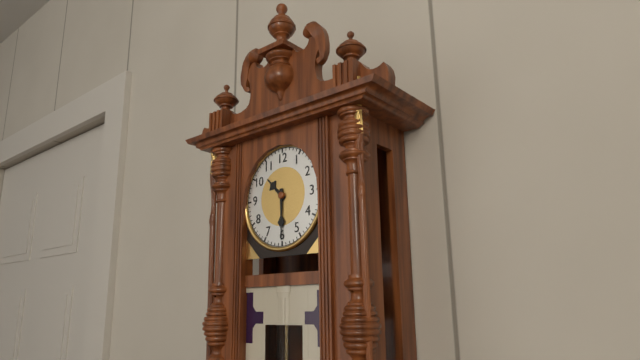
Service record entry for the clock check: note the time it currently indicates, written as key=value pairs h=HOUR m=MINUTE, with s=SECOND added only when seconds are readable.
h=10 m=30
